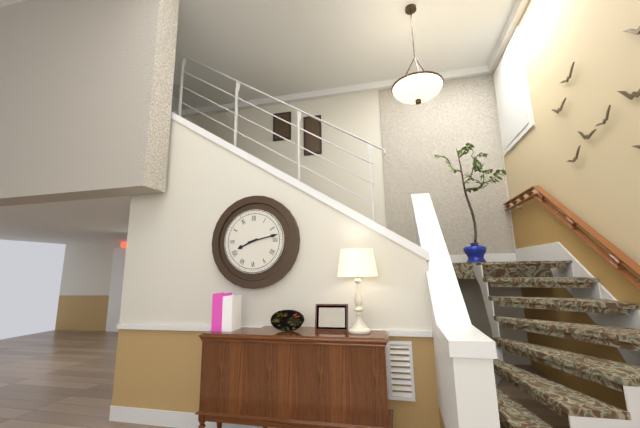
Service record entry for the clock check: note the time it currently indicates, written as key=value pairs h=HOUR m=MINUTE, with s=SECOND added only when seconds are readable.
h=8 m=13
